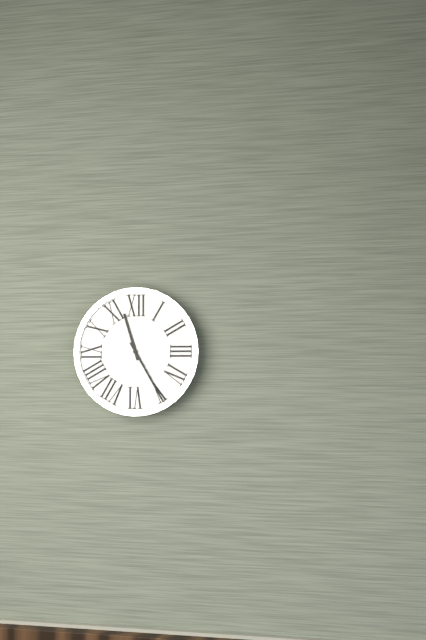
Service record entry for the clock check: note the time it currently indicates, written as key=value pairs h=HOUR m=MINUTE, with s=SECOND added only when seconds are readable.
h=11 m=25
